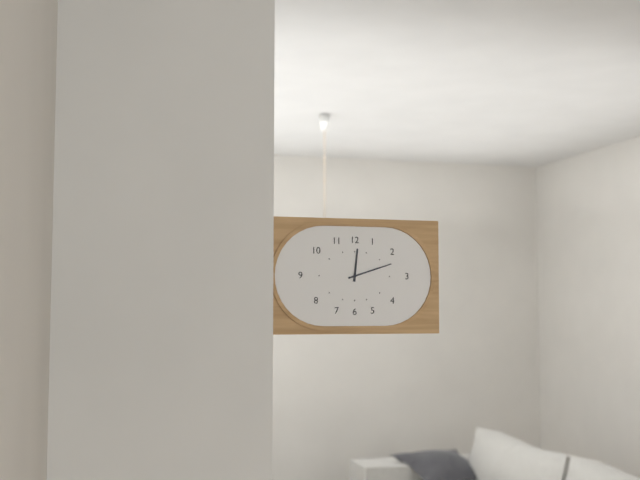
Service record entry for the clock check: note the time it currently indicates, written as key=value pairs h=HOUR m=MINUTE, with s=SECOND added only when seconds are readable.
h=12 m=12
